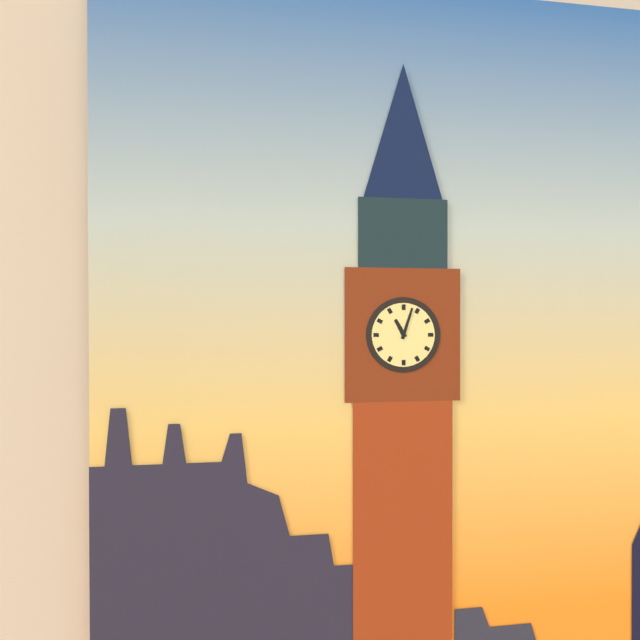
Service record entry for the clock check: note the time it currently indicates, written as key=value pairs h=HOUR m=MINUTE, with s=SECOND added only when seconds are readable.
h=11 m=3
